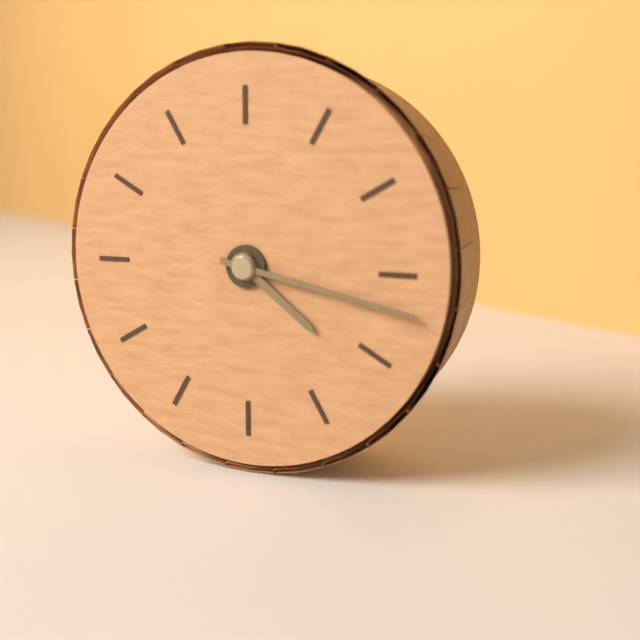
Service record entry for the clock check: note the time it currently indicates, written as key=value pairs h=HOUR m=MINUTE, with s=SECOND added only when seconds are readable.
h=4 m=17
